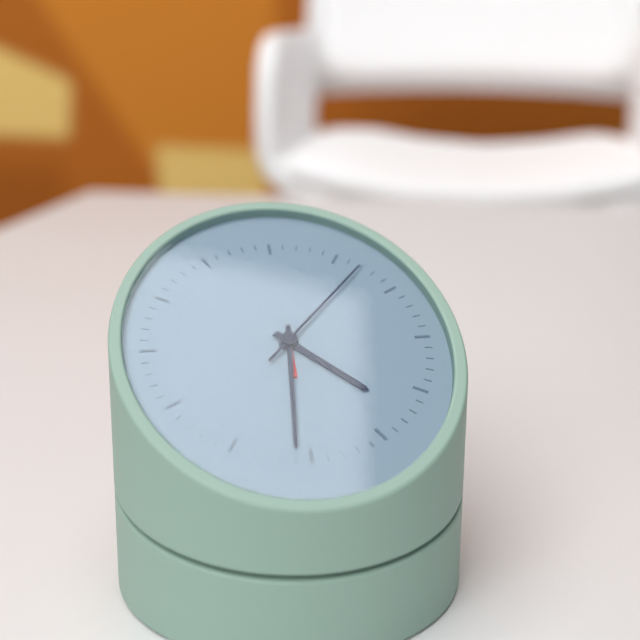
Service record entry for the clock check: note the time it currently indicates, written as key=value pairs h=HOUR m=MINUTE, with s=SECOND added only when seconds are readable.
h=4 m=31 s=7
